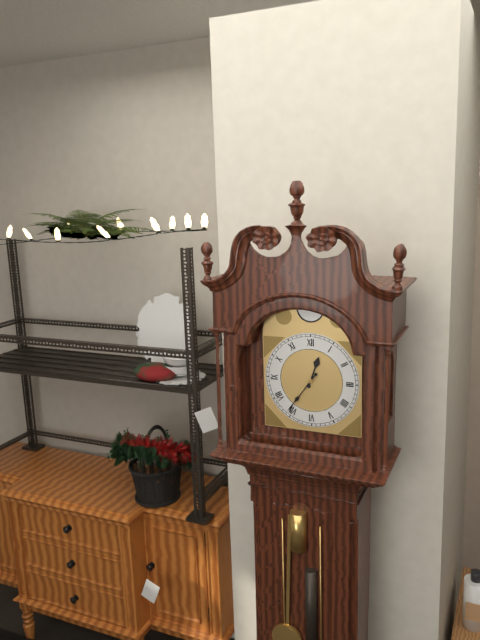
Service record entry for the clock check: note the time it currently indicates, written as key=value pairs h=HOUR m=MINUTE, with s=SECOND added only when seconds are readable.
h=12 m=36
